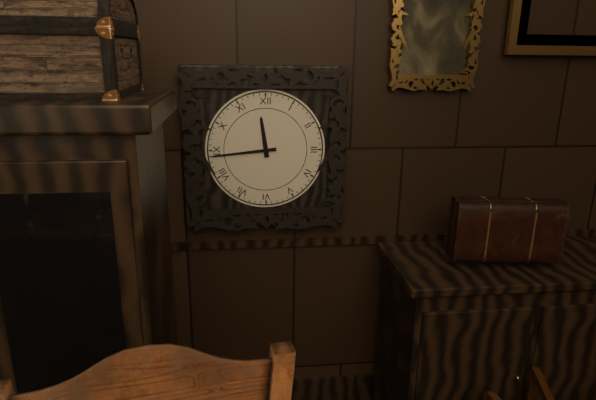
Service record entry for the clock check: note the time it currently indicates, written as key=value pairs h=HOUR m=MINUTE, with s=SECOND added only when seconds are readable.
h=11 m=44
